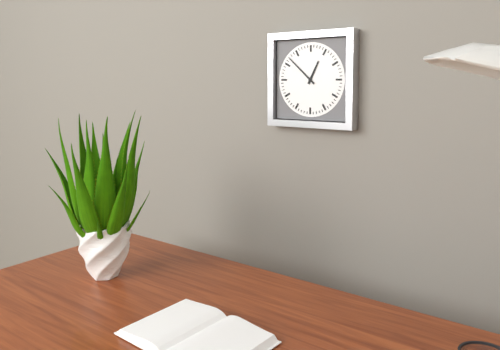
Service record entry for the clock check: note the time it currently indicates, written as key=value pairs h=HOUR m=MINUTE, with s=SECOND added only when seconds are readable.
h=12 m=52
